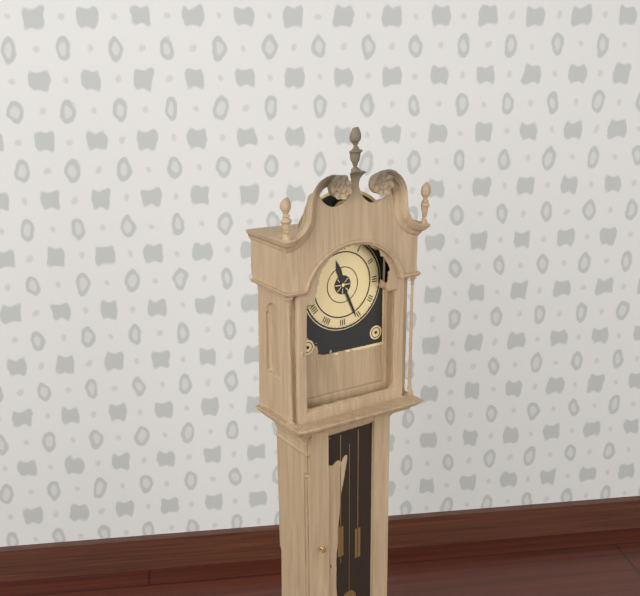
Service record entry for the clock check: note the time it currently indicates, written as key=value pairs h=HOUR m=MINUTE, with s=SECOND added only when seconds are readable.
h=11 m=26
